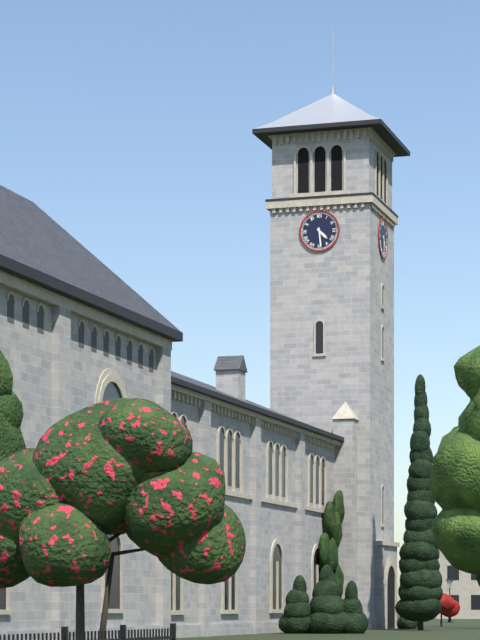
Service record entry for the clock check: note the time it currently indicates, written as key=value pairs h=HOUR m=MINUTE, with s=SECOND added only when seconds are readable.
h=4 m=29
